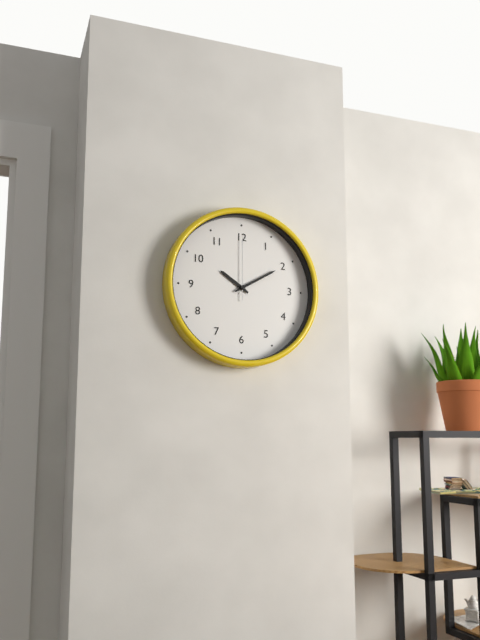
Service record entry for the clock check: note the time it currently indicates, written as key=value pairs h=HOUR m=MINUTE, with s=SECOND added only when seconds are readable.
h=10 m=10 s=0
